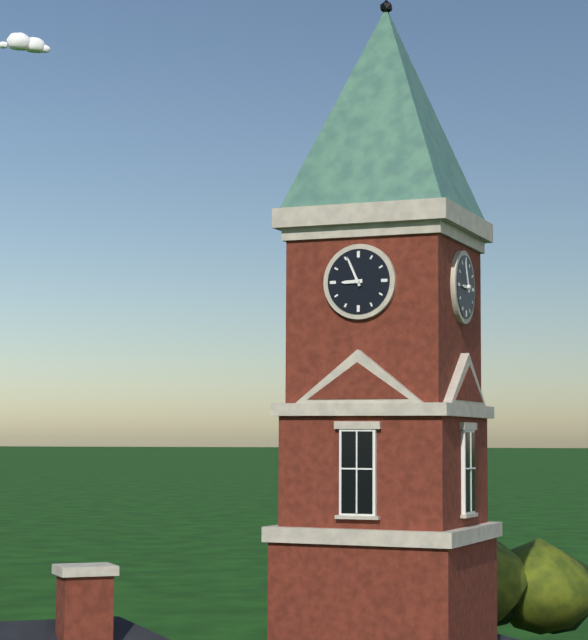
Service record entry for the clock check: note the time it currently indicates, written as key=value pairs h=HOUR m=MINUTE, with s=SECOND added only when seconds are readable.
h=8 m=56
